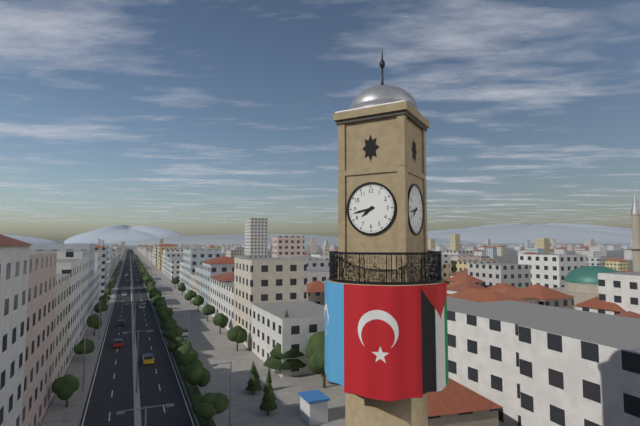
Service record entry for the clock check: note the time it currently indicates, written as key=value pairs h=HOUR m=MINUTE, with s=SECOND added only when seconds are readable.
h=7 m=43
